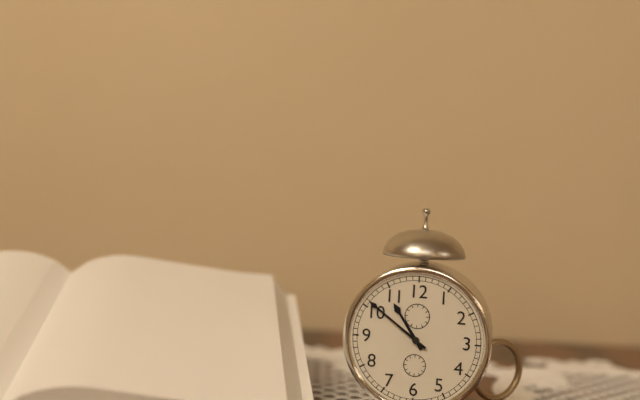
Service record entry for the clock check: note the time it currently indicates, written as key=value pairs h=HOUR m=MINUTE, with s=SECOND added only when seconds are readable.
h=10 m=51
